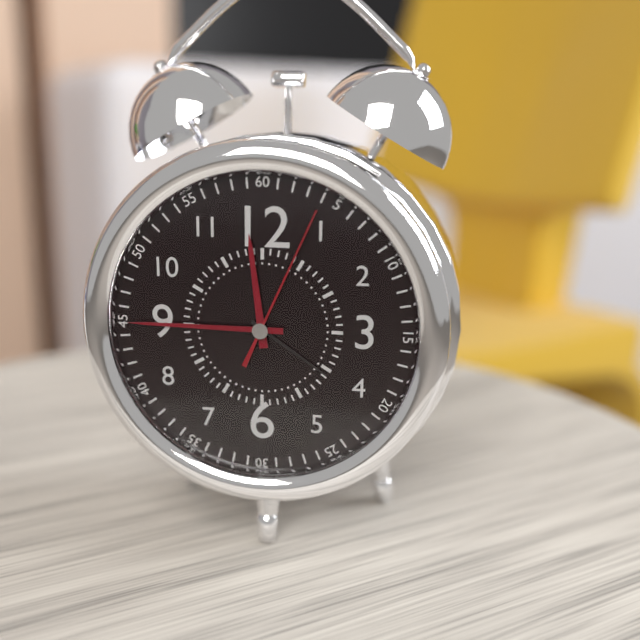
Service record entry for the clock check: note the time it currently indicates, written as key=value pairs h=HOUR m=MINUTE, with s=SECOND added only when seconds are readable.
h=11 m=45 s=4
